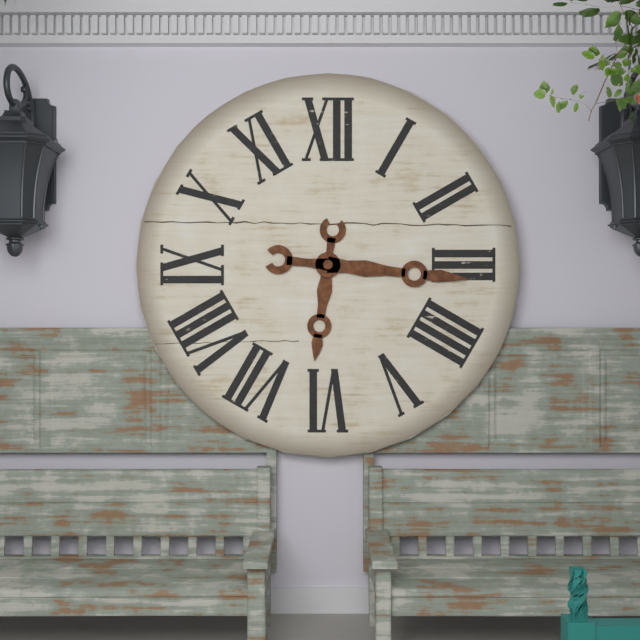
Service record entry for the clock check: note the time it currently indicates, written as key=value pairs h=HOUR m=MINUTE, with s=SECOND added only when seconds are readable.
h=6 m=16
